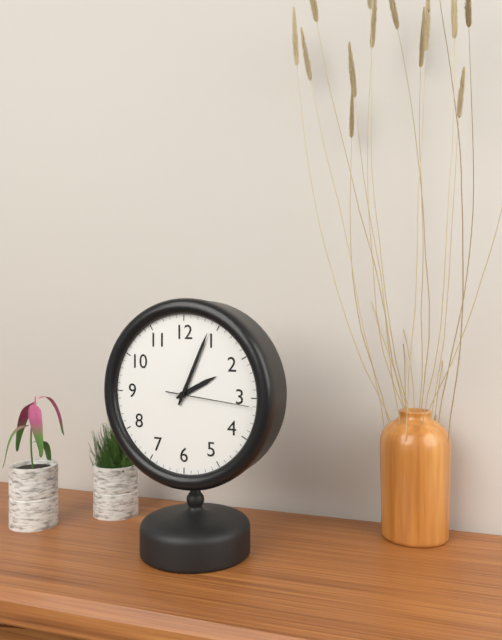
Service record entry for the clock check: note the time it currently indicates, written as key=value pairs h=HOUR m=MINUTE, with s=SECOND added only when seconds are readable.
h=2 m=4 s=16
